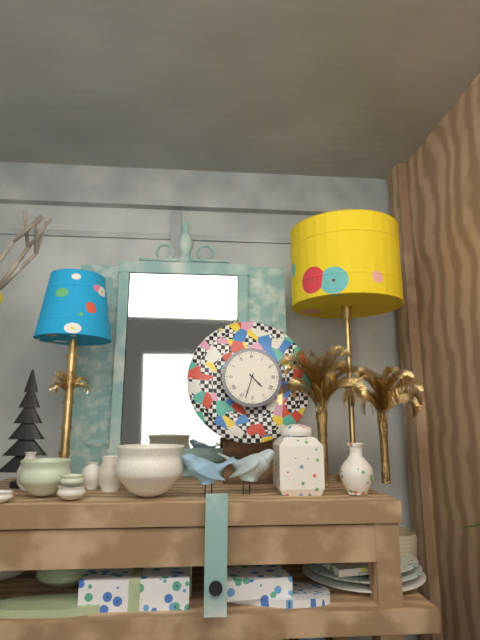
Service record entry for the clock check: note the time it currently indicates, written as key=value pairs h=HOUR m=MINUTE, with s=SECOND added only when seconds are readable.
h=4 m=33
